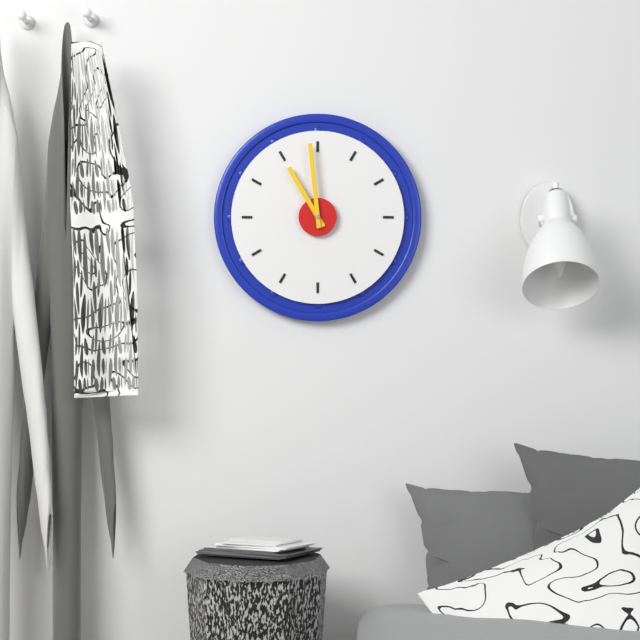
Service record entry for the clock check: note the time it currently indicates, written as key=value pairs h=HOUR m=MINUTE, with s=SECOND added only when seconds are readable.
h=10 m=59
